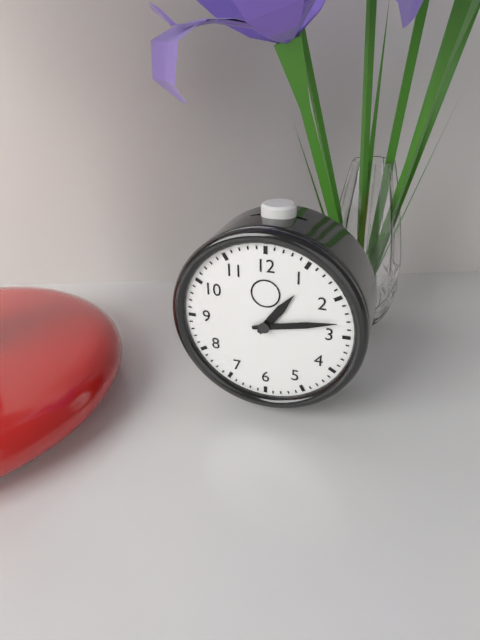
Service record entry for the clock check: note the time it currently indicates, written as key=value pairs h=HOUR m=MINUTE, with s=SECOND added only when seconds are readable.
h=1 m=13
